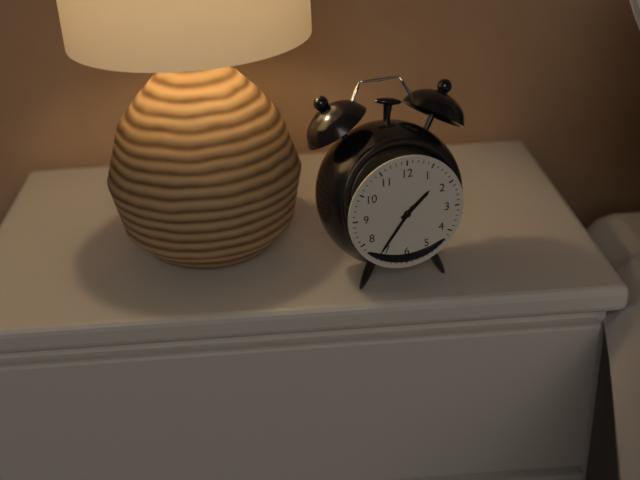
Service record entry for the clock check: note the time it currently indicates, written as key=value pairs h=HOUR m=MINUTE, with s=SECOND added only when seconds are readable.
h=1 m=36
